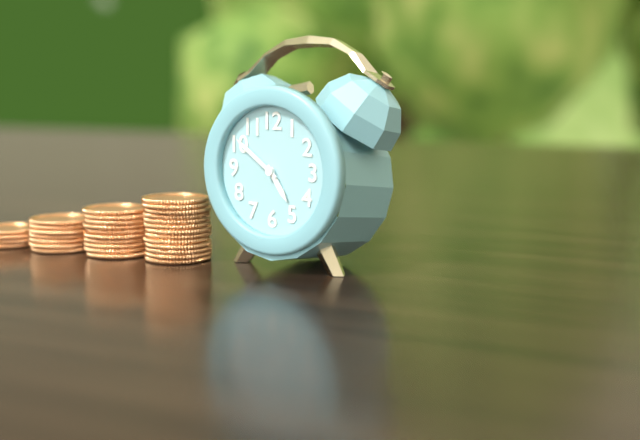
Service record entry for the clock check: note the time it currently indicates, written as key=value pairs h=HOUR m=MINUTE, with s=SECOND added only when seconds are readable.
h=4 m=51
